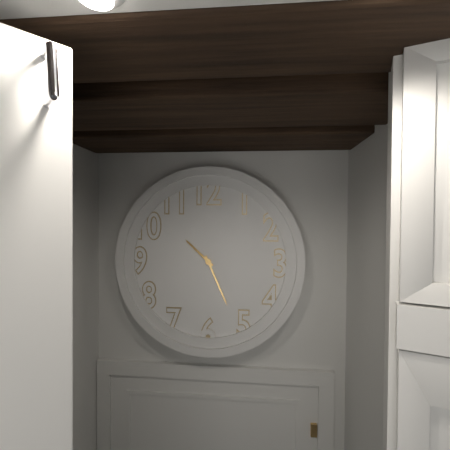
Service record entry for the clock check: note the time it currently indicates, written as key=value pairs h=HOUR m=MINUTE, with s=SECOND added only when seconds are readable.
h=10 m=26
